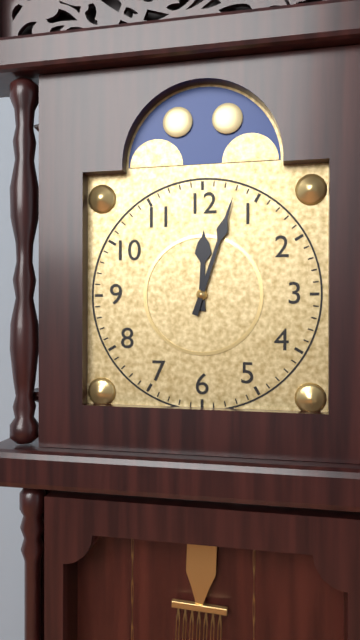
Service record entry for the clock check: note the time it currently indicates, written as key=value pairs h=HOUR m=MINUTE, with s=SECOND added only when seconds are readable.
h=12 m=3
